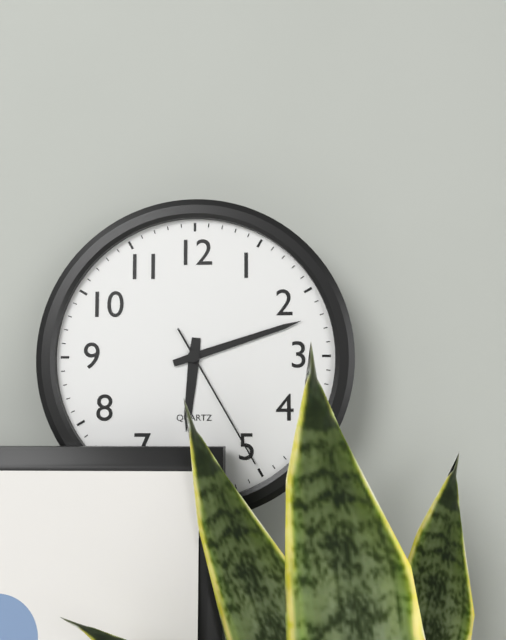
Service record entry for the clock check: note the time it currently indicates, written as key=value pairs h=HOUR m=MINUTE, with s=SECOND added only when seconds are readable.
h=6 m=12 s=25
